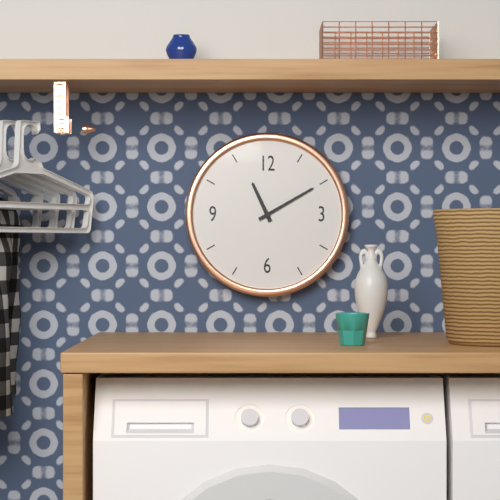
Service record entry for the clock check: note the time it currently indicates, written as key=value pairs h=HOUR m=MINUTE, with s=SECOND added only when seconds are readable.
h=11 m=10
